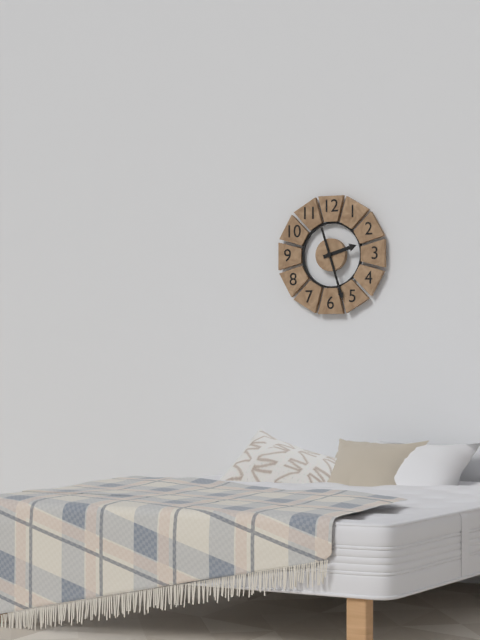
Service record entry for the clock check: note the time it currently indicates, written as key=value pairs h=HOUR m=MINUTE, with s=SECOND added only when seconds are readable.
h=2 m=27
